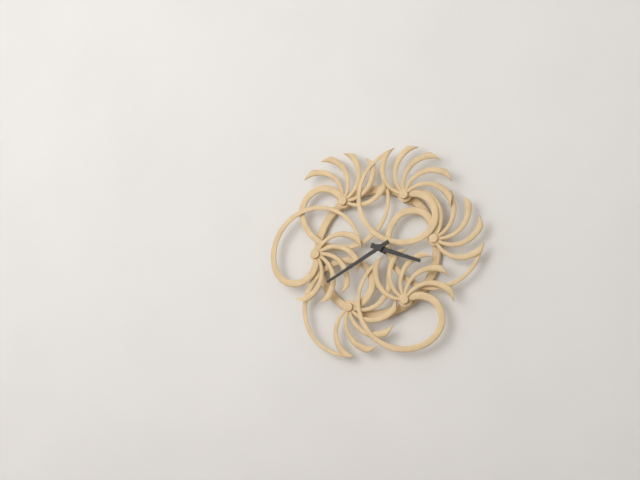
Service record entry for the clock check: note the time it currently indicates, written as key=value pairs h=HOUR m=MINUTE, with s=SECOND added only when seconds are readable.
h=3 m=40
